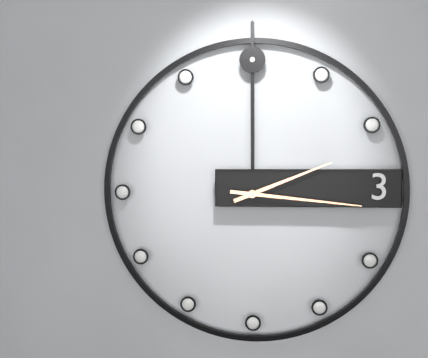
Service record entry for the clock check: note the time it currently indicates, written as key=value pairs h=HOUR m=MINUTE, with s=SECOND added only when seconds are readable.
h=2 m=16
